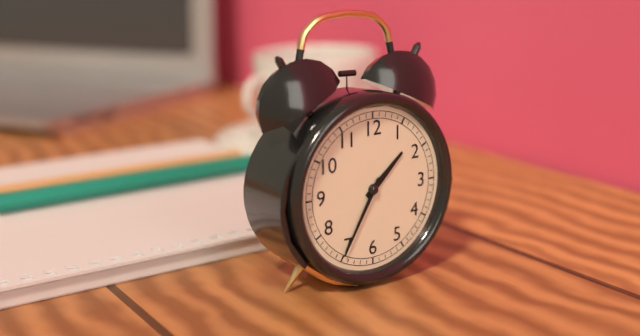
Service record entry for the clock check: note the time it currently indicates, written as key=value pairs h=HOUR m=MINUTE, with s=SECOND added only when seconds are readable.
h=1 m=35
